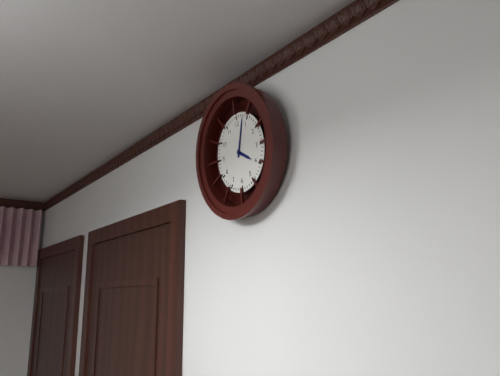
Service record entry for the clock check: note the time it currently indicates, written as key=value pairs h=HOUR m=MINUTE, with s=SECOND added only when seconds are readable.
h=4 m=3
